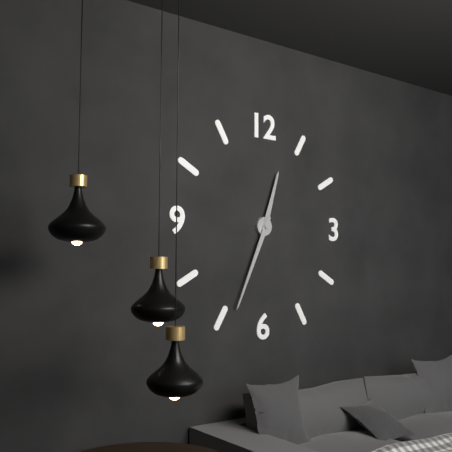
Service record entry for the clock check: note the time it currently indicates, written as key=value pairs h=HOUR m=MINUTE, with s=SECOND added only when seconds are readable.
h=12 m=34
